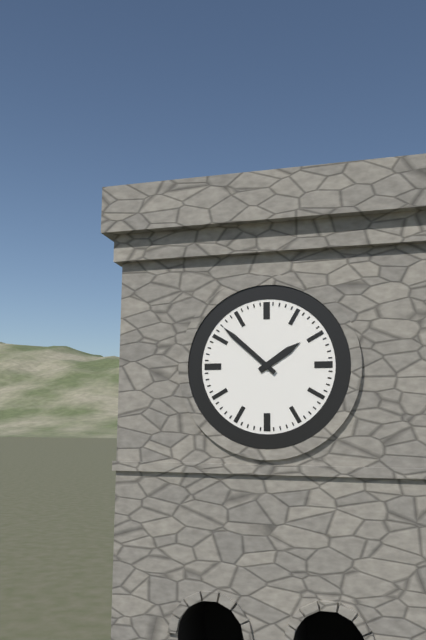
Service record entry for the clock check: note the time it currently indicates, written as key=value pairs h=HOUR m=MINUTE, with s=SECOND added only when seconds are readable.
h=1 m=52
